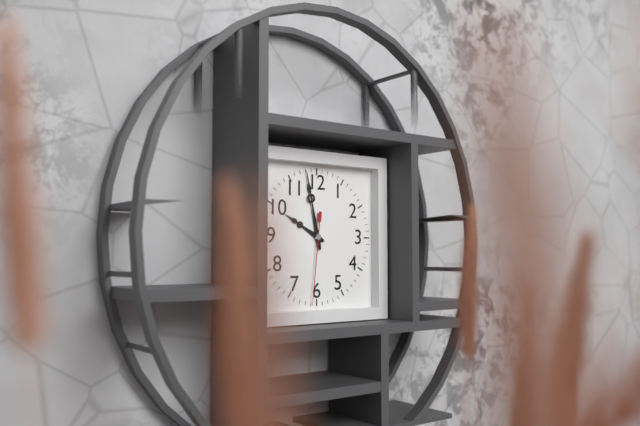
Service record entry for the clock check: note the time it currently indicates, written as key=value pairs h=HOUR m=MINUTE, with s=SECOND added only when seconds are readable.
h=9 m=58 s=31
